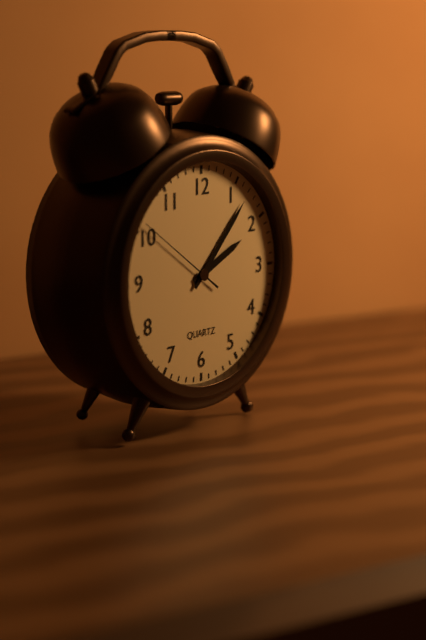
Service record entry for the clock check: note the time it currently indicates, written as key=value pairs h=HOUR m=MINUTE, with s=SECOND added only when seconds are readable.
h=2 m=7 s=51
